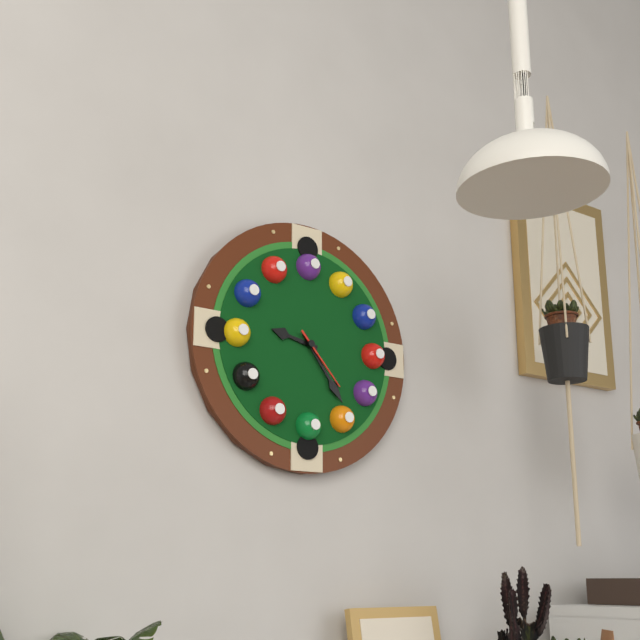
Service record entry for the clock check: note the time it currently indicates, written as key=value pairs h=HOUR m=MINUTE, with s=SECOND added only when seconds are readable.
h=9 m=24 s=23
